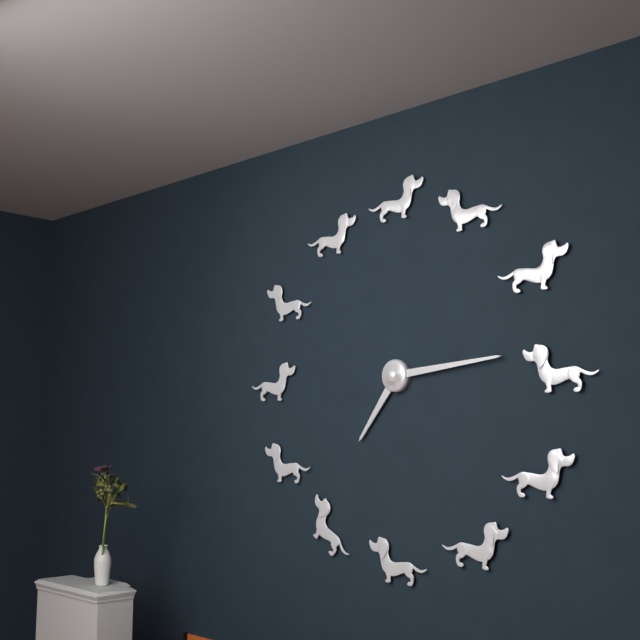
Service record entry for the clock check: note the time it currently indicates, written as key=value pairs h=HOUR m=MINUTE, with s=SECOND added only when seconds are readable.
h=7 m=14
